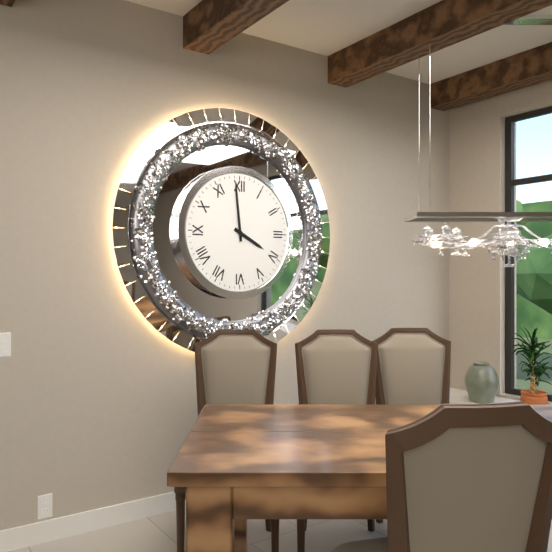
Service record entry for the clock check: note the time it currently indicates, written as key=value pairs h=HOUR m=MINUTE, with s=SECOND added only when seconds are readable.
h=3 m=59
